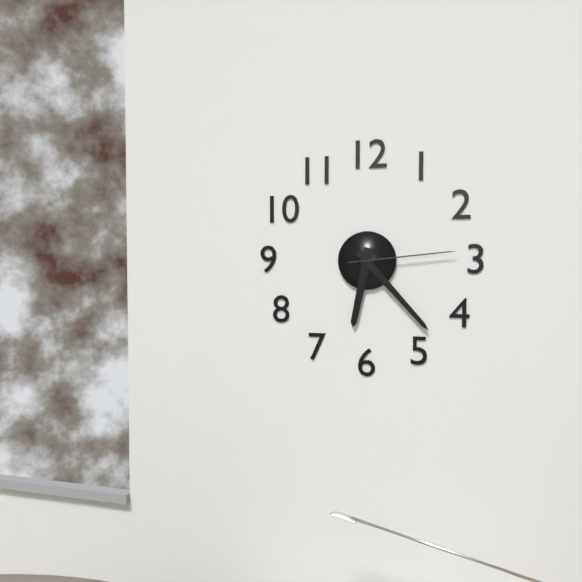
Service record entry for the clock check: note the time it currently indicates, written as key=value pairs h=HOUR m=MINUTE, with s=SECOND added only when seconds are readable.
h=6 m=23 s=14
